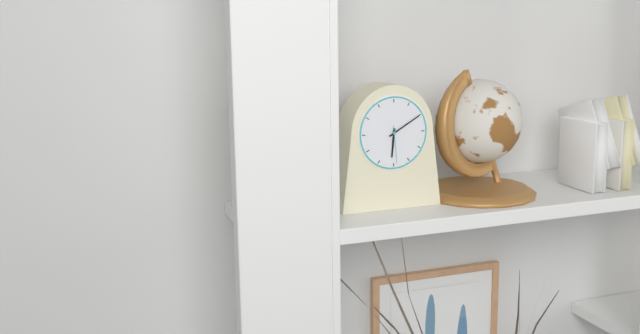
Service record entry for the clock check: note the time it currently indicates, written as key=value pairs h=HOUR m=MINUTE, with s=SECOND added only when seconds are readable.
h=6 m=10
